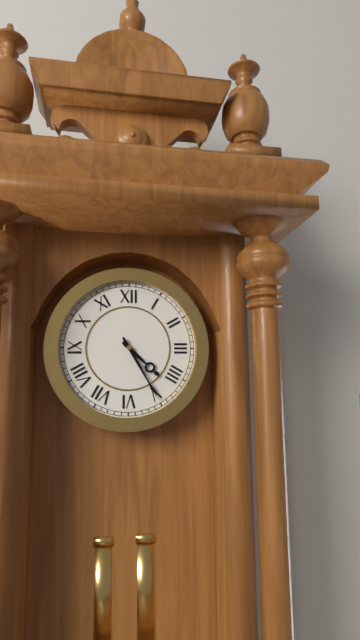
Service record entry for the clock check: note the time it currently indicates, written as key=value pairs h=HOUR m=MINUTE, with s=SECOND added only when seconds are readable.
h=4 m=25
